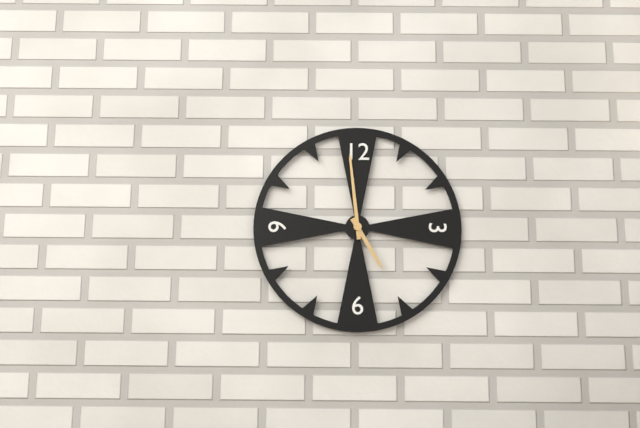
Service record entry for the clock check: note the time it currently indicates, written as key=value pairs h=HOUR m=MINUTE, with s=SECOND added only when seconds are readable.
h=4 m=59
